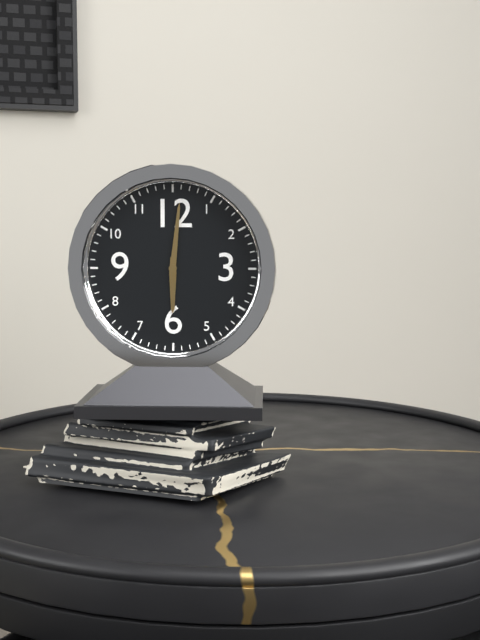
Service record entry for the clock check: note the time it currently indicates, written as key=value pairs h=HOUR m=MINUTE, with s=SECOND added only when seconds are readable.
h=6 m=1
